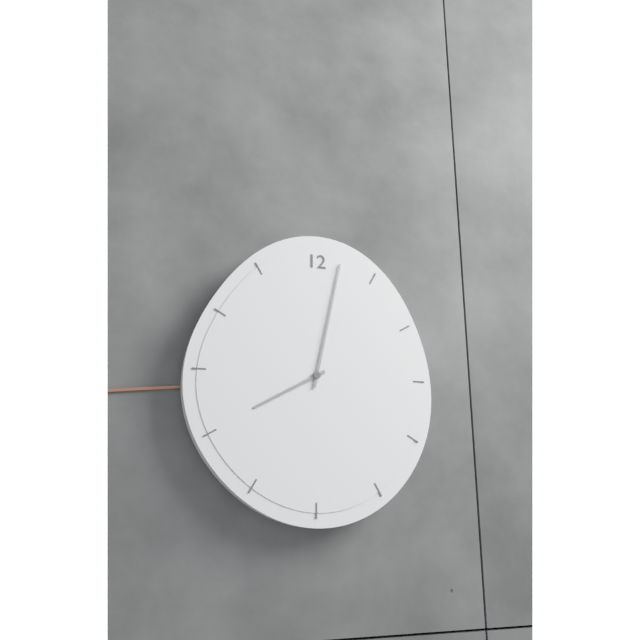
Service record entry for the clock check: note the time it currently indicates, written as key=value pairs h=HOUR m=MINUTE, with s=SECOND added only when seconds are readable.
h=8 m=2 s=44
